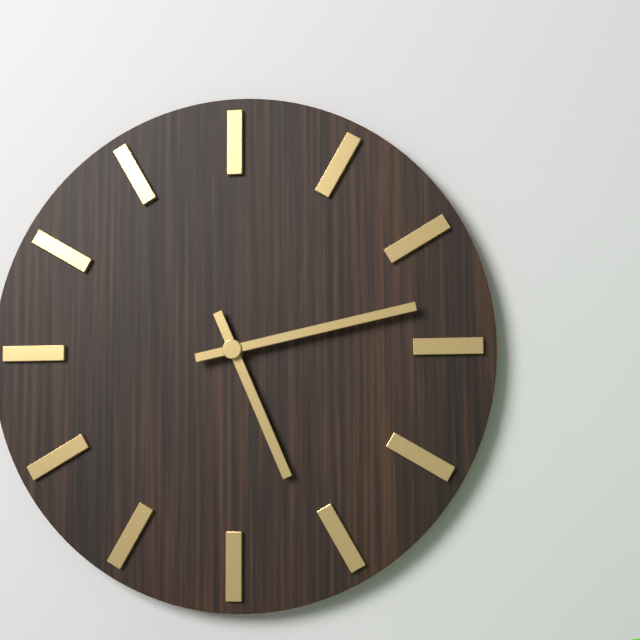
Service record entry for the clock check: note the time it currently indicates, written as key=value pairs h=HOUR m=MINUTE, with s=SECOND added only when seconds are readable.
h=5 m=13
